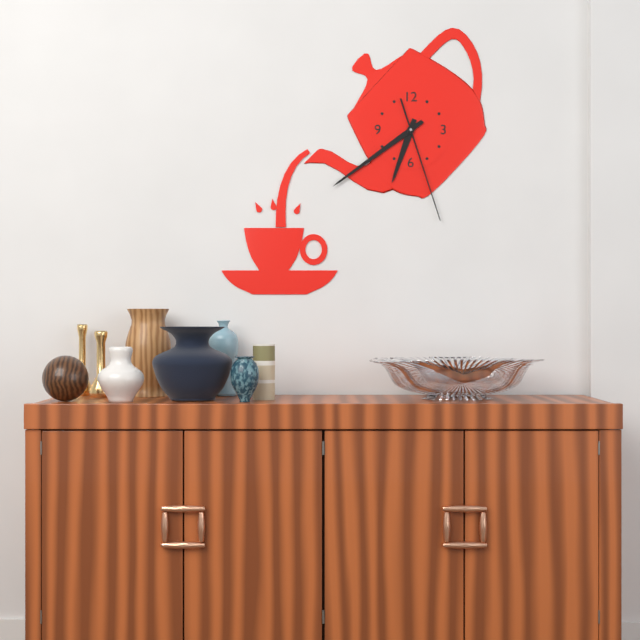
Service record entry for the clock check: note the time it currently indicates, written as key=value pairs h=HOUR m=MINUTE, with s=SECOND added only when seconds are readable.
h=6 m=39 s=27
